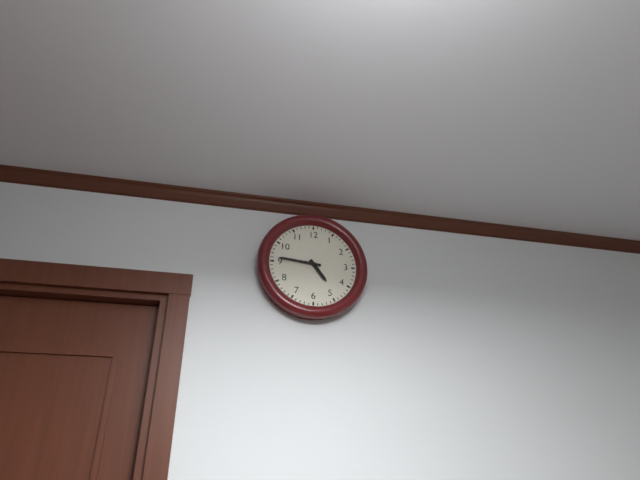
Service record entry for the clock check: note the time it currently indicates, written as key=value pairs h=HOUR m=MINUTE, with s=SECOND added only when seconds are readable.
h=4 m=46
